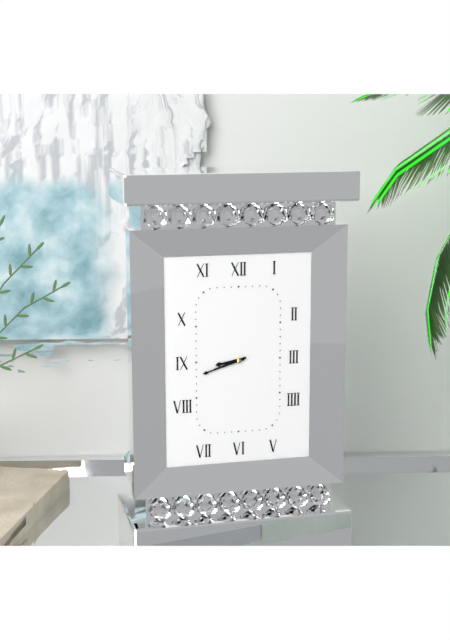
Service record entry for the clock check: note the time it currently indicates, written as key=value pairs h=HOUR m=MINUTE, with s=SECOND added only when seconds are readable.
h=8 m=42
